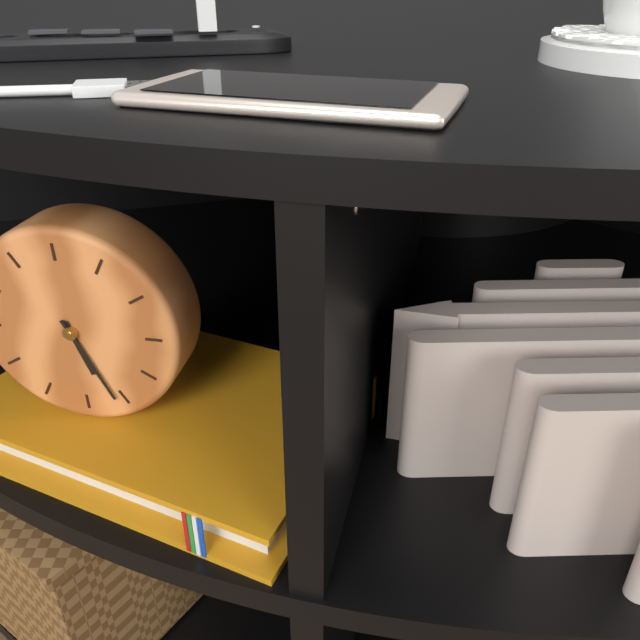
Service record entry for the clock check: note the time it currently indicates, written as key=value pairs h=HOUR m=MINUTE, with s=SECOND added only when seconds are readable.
h=5 m=26
